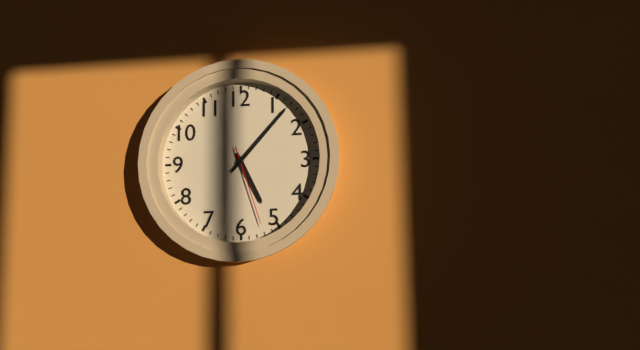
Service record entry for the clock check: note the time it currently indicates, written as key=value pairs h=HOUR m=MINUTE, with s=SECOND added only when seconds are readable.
h=5 m=7 s=27
